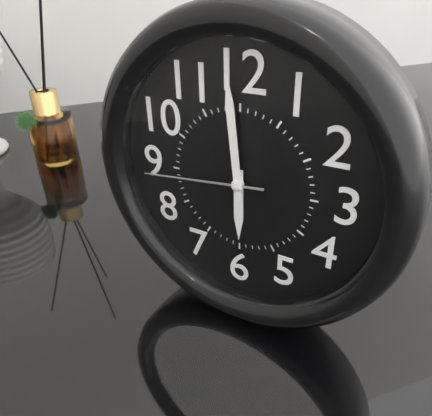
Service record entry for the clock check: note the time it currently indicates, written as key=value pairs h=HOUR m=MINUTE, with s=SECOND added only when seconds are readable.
h=5 m=59 s=44
